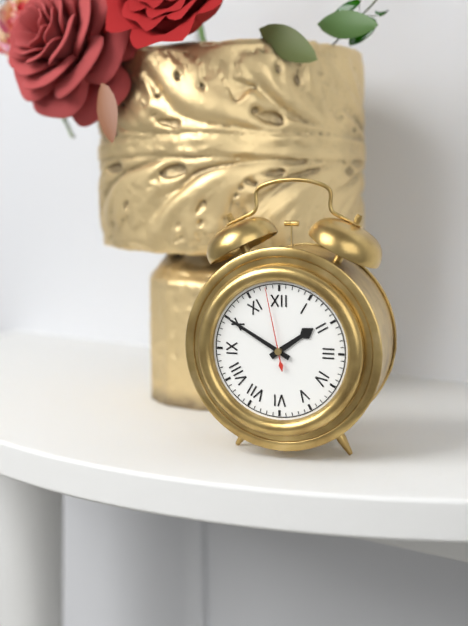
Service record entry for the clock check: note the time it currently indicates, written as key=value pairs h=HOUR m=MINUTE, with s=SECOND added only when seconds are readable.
h=1 m=50 s=58
